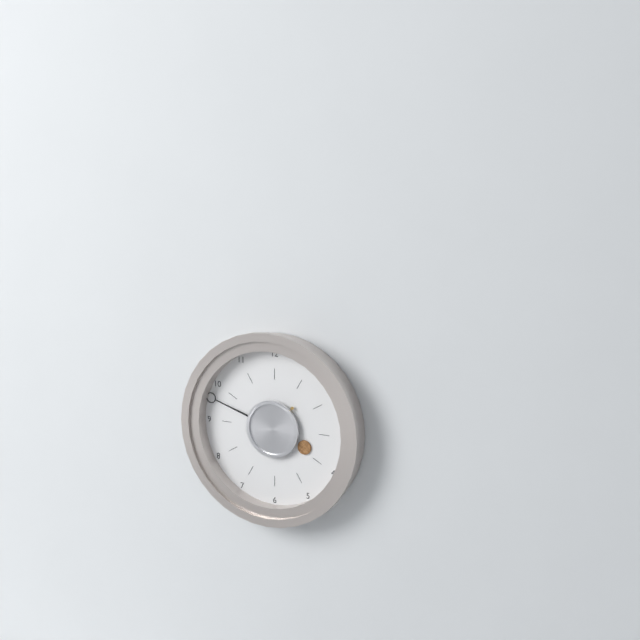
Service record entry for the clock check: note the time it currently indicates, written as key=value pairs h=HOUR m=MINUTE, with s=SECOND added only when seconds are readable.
h=3 m=48
